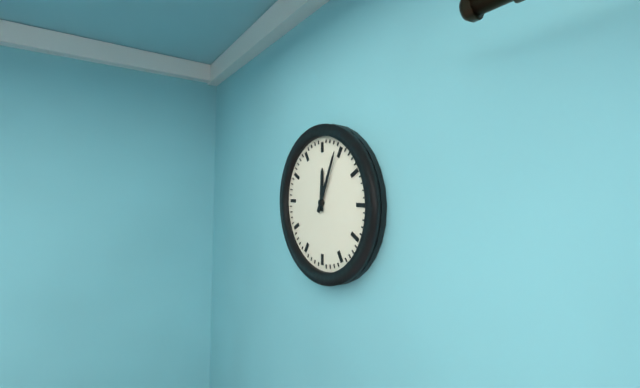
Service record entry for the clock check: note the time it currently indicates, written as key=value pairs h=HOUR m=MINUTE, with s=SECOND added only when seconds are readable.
h=12 m=4
